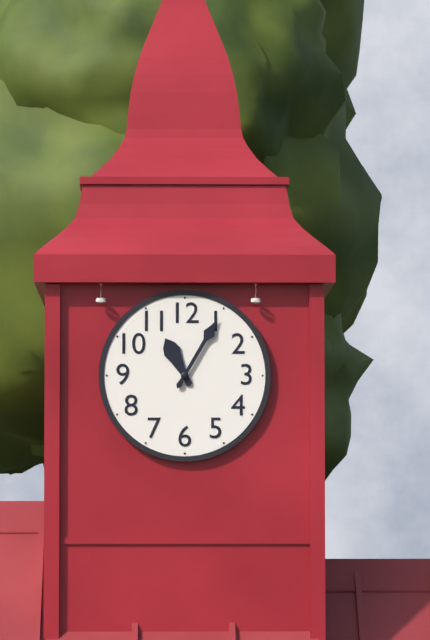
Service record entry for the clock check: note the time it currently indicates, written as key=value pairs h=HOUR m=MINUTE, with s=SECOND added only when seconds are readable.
h=11 m=5
